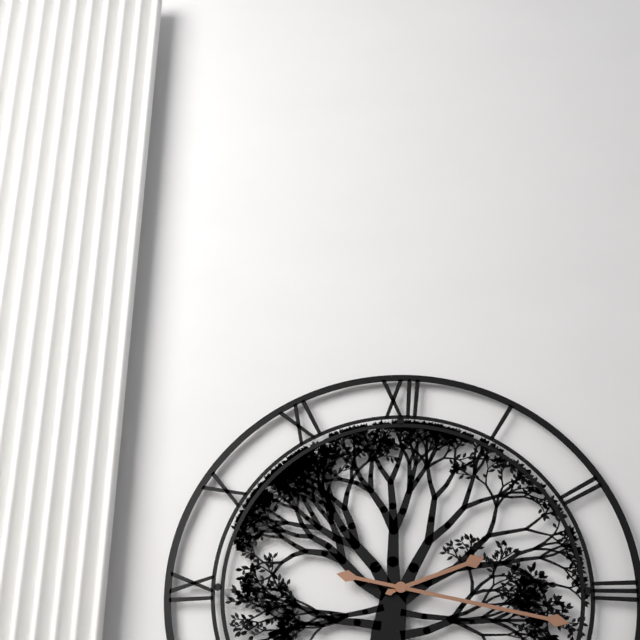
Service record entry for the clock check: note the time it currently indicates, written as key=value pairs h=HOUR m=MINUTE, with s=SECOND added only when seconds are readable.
h=2 m=17
